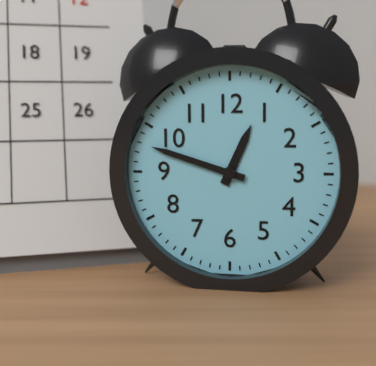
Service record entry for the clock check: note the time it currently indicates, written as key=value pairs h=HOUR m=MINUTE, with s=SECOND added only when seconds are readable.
h=12 m=48
